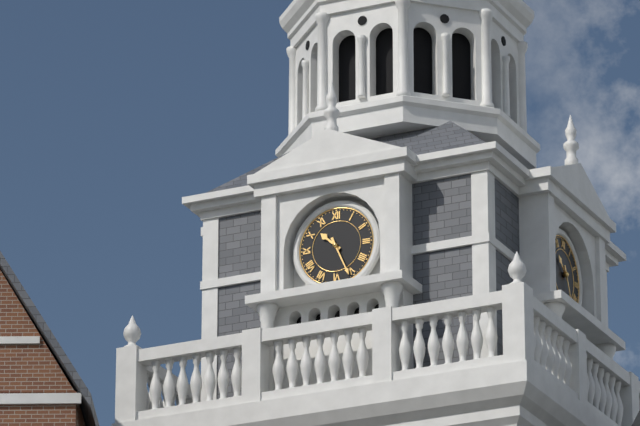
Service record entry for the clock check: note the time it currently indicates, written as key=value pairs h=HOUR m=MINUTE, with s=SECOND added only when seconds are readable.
h=10 m=26
